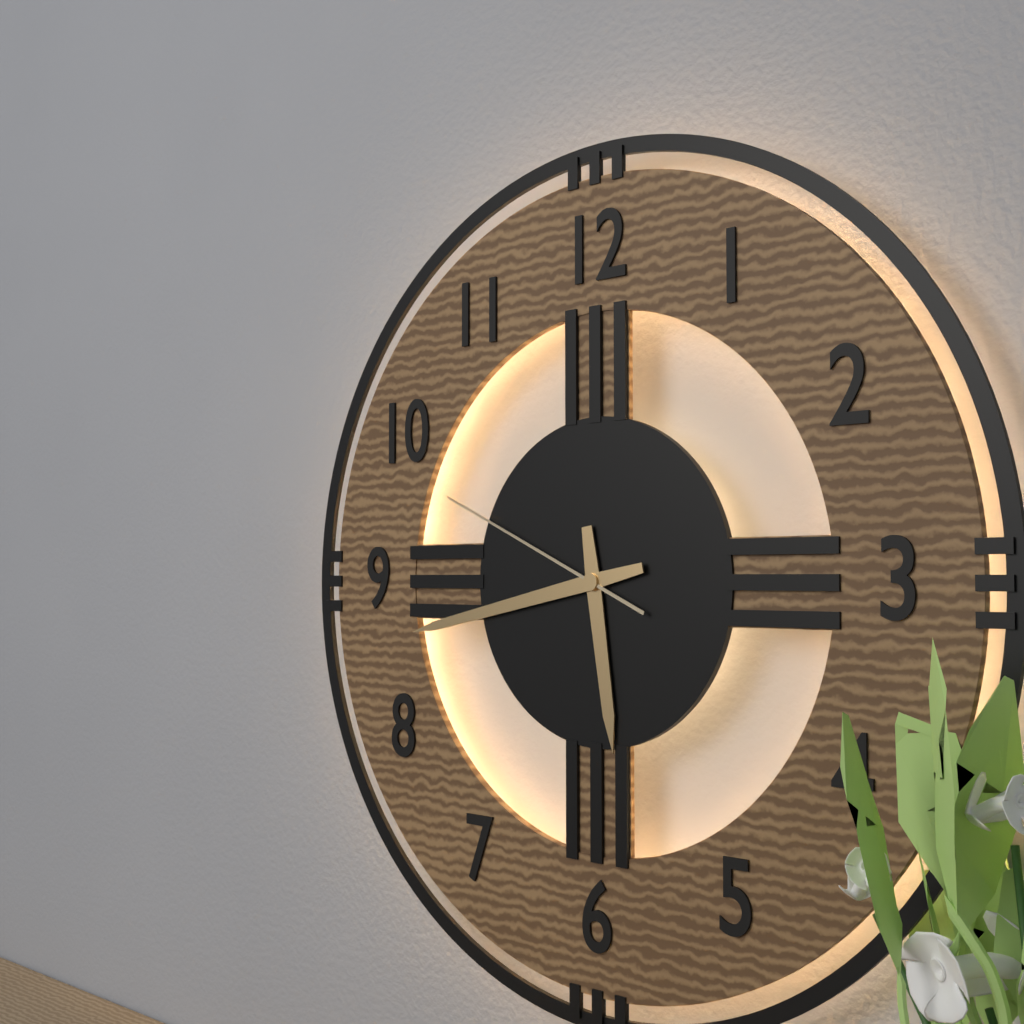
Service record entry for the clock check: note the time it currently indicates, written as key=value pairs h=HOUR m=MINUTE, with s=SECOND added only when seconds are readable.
h=5 m=43 s=49
